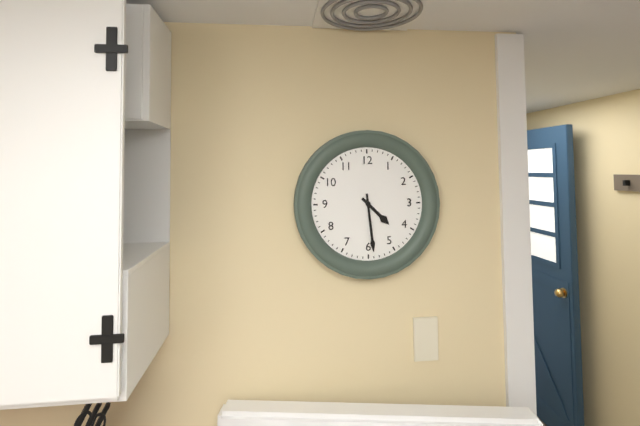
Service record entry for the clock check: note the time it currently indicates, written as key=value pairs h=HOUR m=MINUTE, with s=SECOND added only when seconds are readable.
h=4 m=29
